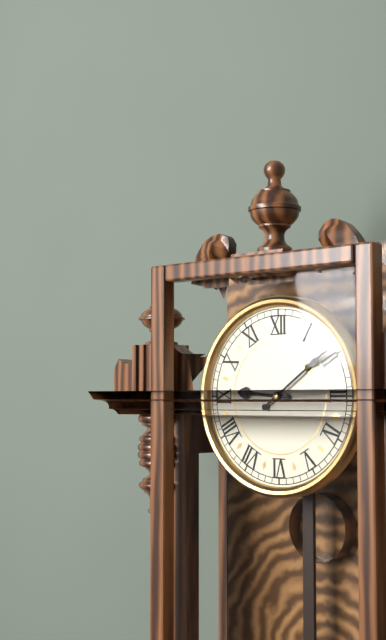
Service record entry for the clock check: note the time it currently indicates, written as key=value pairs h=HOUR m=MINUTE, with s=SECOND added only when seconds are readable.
h=9 m=9
